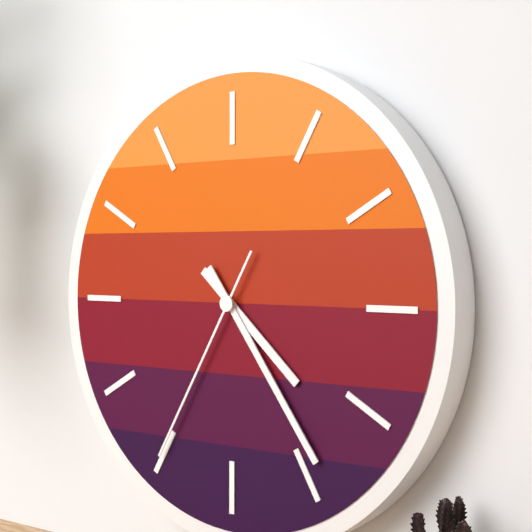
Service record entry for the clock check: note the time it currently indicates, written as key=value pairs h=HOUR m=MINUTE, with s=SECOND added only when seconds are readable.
h=4 m=24 s=35
